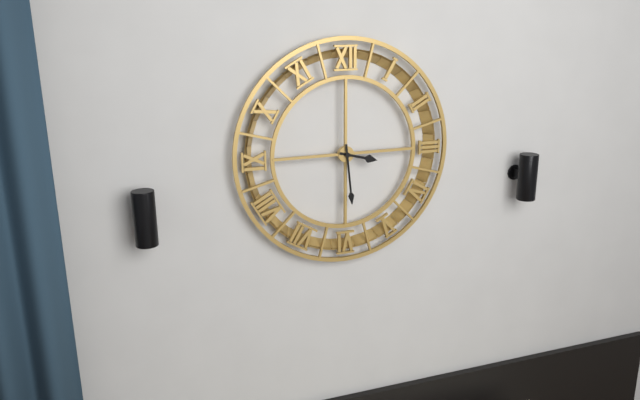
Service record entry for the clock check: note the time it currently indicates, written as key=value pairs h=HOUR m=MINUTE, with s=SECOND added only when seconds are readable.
h=3 m=29
